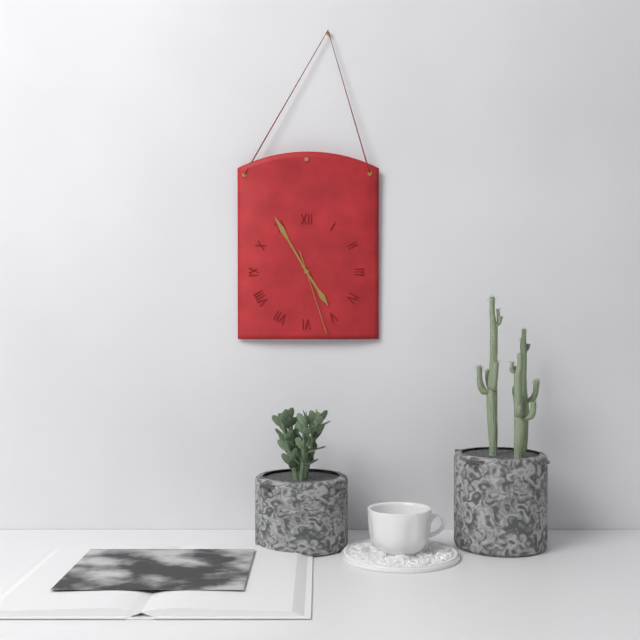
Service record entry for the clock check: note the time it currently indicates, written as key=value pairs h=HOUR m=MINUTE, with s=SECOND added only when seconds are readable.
h=4 m=55 s=27
